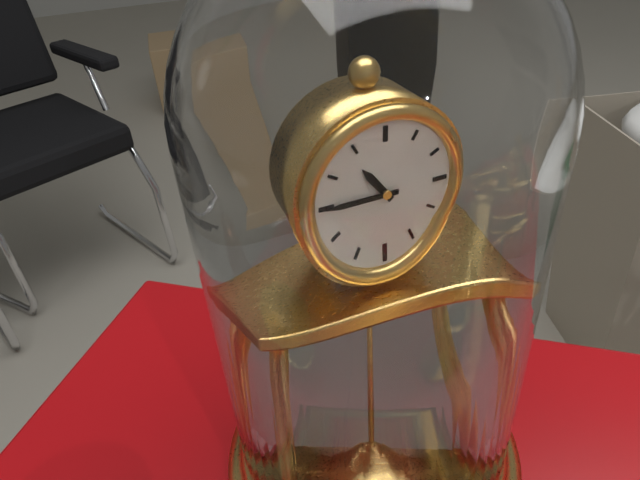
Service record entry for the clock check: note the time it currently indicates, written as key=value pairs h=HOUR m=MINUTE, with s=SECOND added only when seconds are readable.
h=10 m=45
